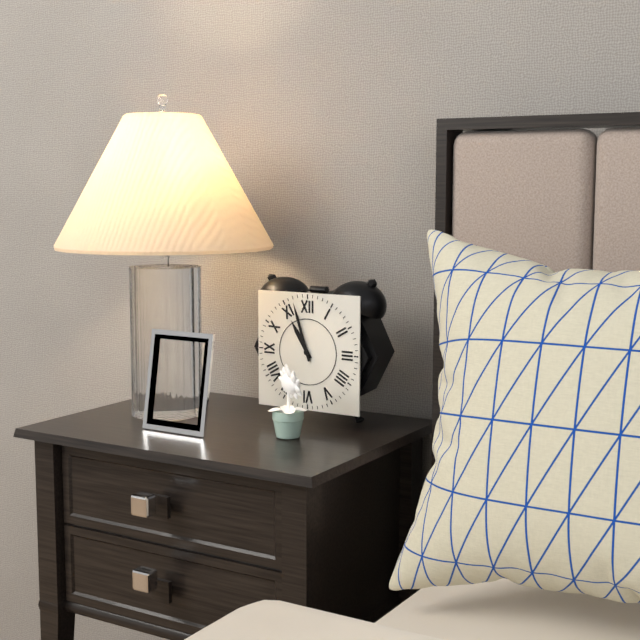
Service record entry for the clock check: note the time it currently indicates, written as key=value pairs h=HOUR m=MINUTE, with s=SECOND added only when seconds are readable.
h=10 m=57
